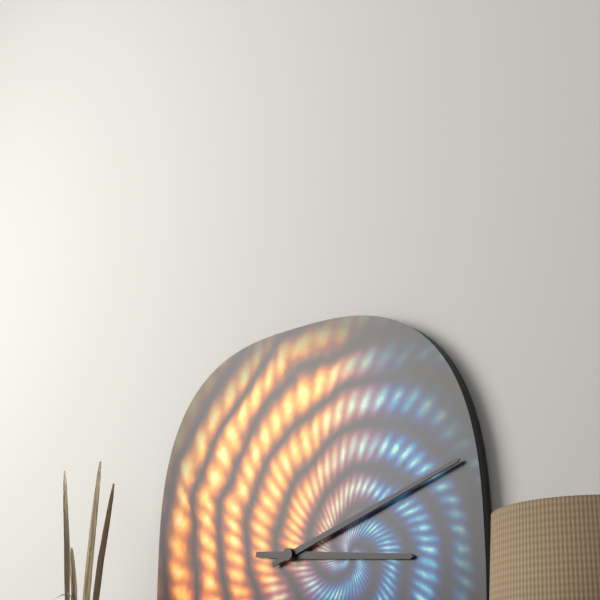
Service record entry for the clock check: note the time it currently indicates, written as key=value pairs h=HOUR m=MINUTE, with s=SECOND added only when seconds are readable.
h=3 m=12
